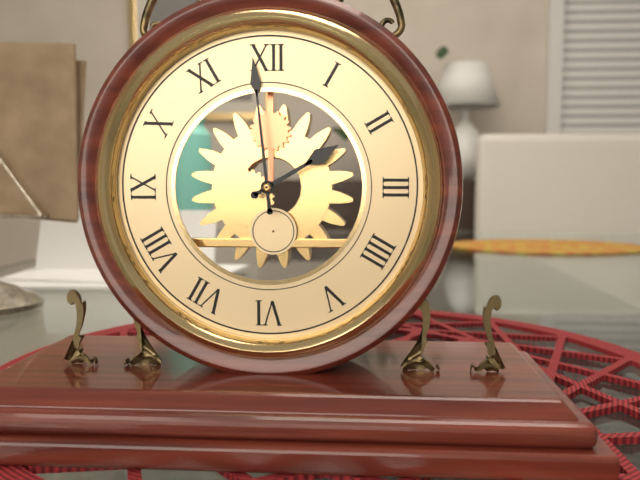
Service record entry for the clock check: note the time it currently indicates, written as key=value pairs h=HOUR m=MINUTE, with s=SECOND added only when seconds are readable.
h=1 m=59
